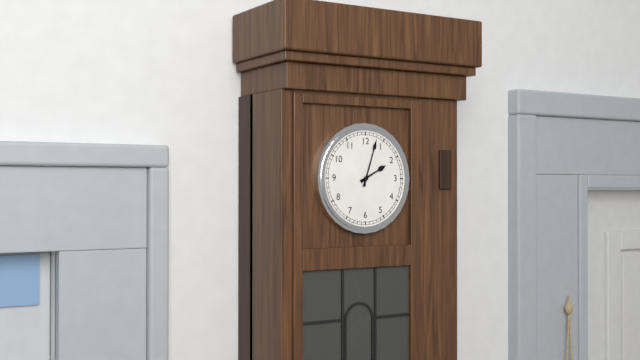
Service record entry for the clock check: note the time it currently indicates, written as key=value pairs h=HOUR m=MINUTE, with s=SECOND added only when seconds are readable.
h=2 m=3
